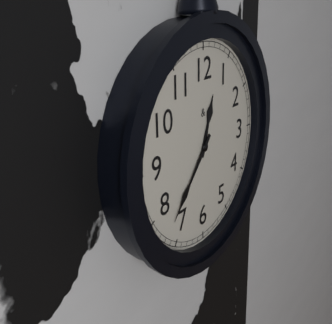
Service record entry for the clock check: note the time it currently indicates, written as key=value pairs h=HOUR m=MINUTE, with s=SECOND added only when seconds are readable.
h=12 m=37
